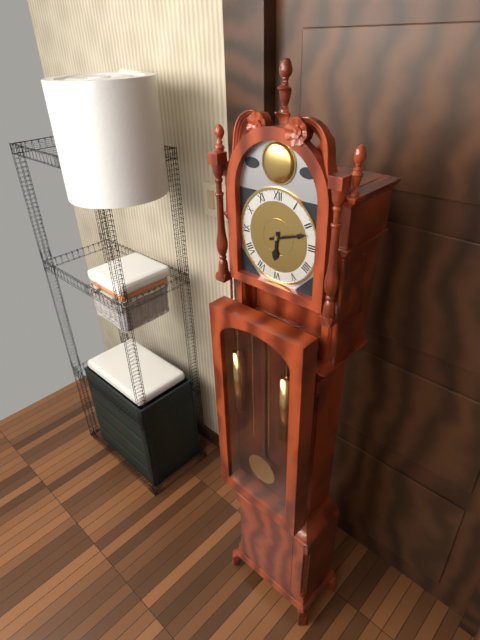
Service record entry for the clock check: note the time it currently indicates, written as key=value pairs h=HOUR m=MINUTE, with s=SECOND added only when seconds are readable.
h=6 m=12
